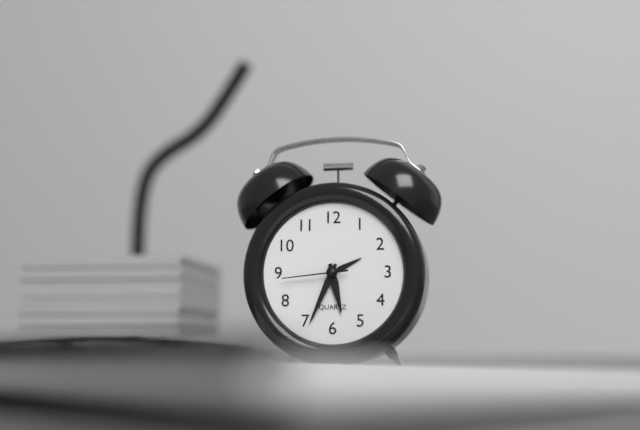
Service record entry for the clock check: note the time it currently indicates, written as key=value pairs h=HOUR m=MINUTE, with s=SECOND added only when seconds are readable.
h=5 m=34 s=44
